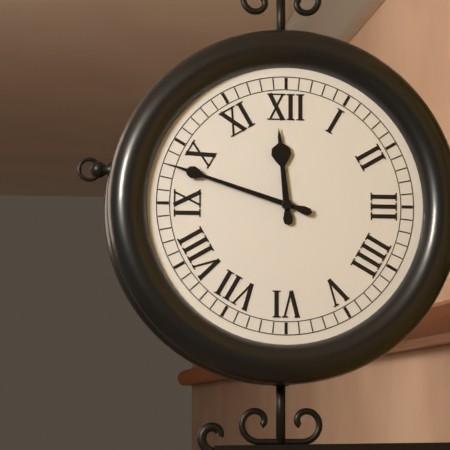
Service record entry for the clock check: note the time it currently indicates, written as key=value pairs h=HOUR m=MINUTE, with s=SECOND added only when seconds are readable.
h=11 m=48
